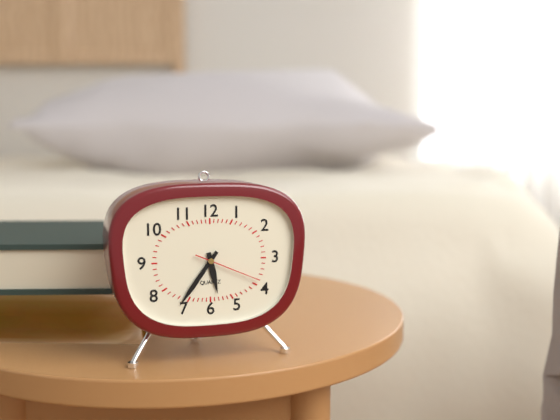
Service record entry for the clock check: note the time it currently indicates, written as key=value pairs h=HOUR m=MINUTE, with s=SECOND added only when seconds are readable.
h=5 m=36 s=19
